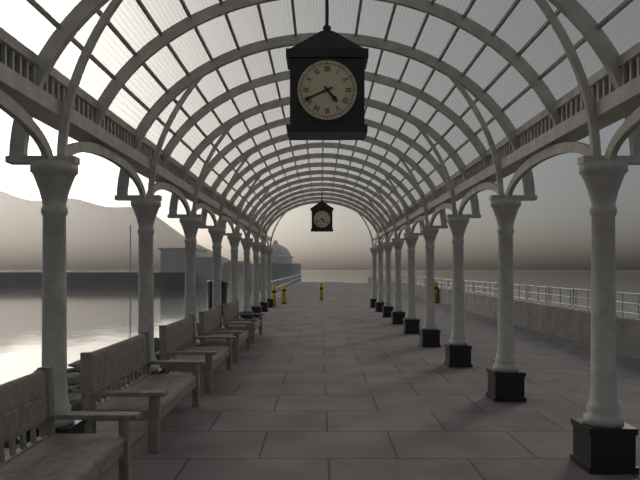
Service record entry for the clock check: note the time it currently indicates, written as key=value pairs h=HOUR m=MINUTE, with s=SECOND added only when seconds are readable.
h=4 m=41
